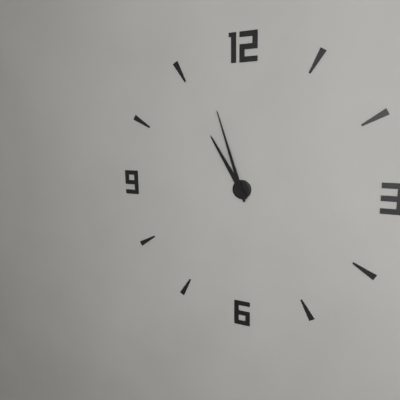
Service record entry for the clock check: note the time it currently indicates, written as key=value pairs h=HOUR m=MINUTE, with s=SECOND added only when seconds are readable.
h=10 m=57
